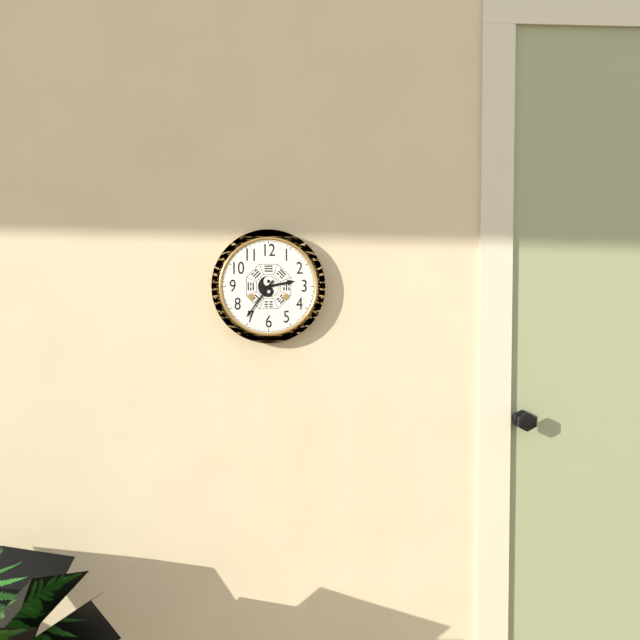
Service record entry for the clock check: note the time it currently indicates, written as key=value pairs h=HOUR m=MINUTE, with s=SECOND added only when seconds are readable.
h=2 m=36
